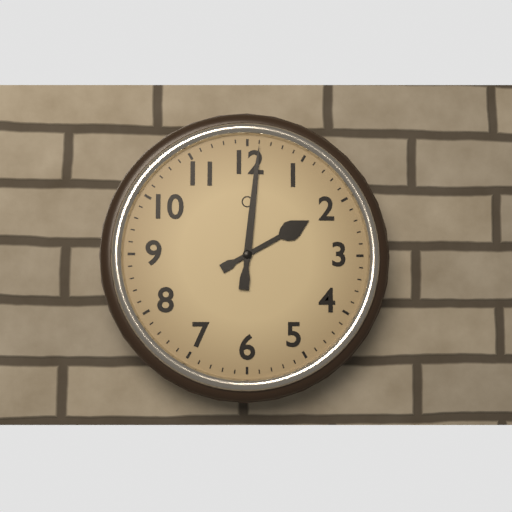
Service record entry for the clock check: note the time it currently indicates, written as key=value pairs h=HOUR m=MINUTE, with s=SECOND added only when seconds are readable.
h=2 m=1
